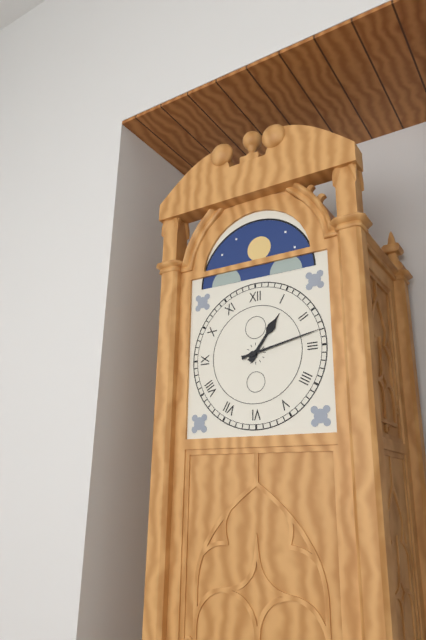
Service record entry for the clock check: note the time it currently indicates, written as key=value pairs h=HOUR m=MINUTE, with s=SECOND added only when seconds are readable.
h=1 m=13
